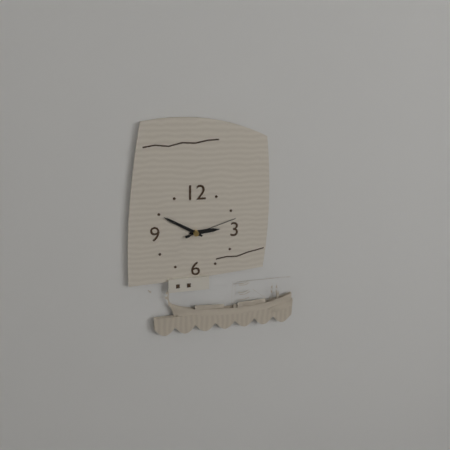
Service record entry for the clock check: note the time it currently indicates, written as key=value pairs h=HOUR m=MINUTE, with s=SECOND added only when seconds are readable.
h=2 m=50 s=12
